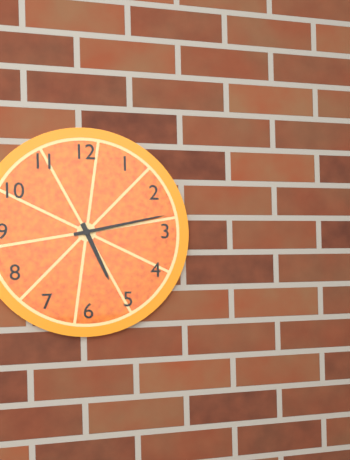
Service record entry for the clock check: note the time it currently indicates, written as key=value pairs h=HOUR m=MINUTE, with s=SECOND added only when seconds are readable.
h=5 m=13
